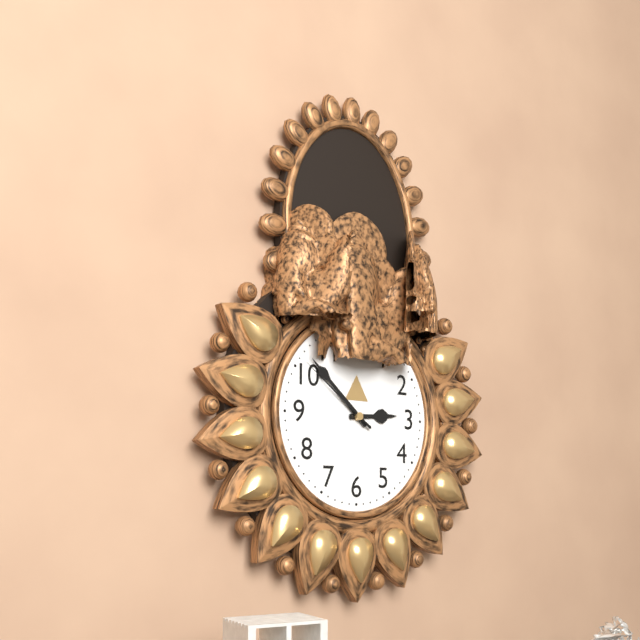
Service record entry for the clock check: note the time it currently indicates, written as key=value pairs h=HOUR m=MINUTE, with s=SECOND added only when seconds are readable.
h=2 m=52 s=51
